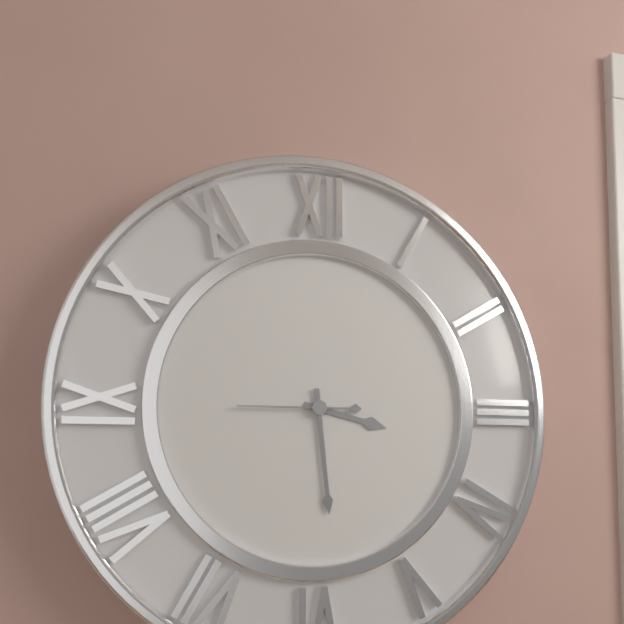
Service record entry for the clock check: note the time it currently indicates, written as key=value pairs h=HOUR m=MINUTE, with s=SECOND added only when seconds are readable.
h=3 m=29 s=45
